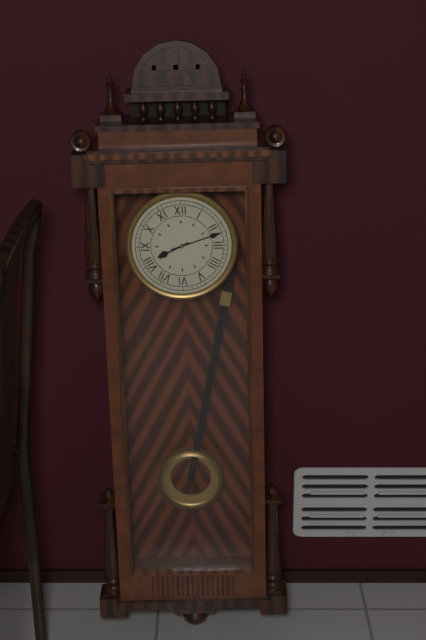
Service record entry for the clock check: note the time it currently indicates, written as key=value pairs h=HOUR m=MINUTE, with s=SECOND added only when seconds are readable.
h=8 m=12
